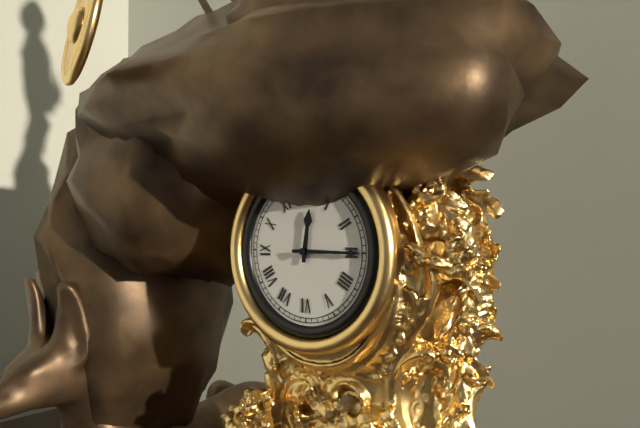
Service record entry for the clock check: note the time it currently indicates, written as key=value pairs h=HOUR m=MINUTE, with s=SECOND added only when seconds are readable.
h=12 m=15
